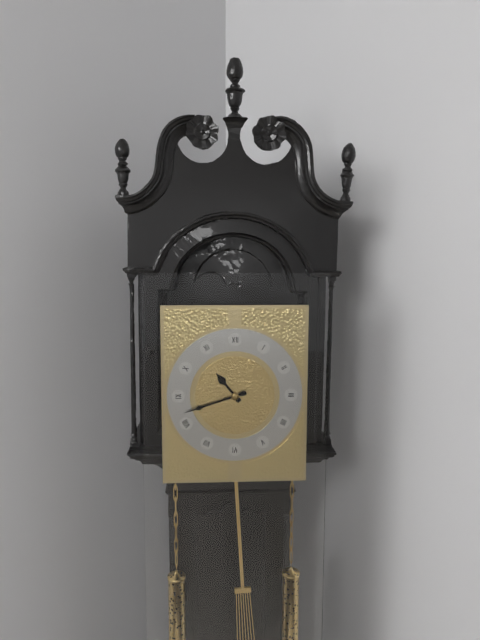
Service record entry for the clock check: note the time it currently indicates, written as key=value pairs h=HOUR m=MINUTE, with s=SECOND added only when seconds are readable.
h=10 m=42
